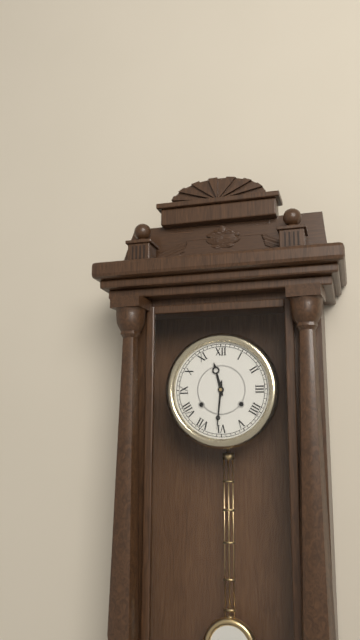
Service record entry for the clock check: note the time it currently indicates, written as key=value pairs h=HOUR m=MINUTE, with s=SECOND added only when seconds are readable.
h=11 m=31
